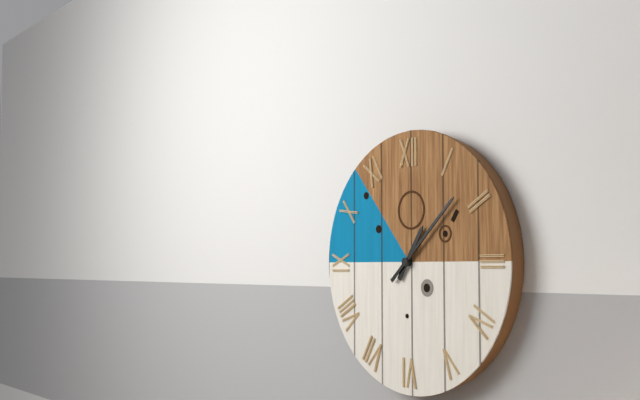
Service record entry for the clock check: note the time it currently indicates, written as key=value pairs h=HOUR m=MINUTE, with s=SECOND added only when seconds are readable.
h=1 m=8
